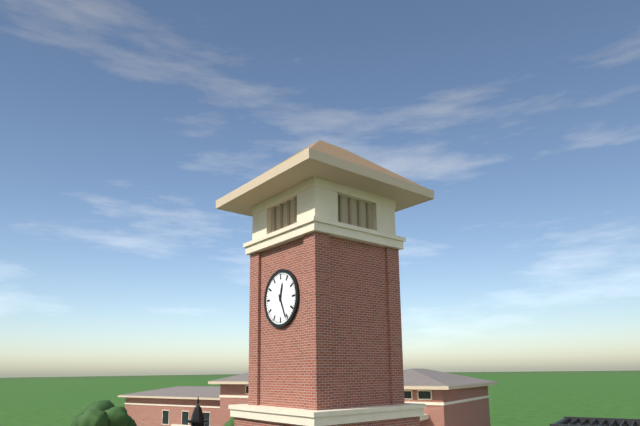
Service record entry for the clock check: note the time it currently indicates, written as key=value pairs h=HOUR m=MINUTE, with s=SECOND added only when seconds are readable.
h=12 m=26
